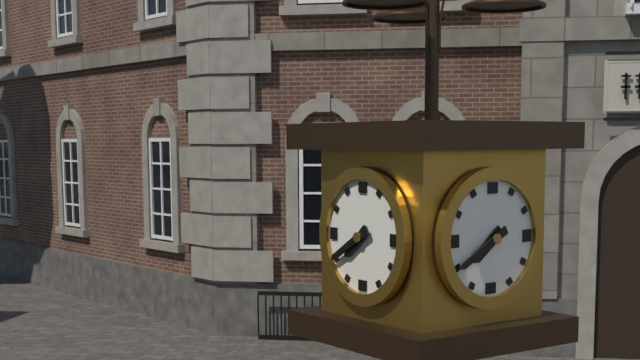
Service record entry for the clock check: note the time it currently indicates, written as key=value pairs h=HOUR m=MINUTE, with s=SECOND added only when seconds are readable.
h=7 m=40
